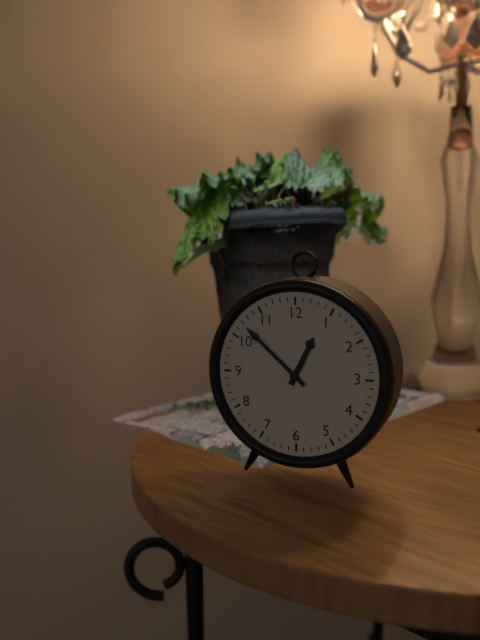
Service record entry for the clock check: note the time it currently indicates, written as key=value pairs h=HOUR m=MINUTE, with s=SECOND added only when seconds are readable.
h=12 m=52
